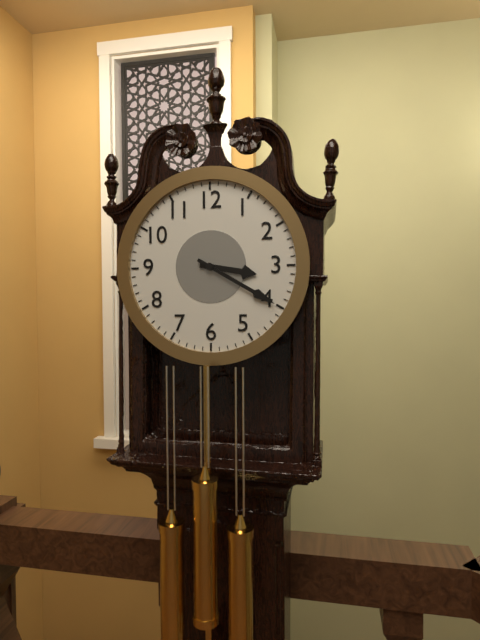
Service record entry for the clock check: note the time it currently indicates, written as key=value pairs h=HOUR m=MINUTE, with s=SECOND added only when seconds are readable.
h=3 m=20
